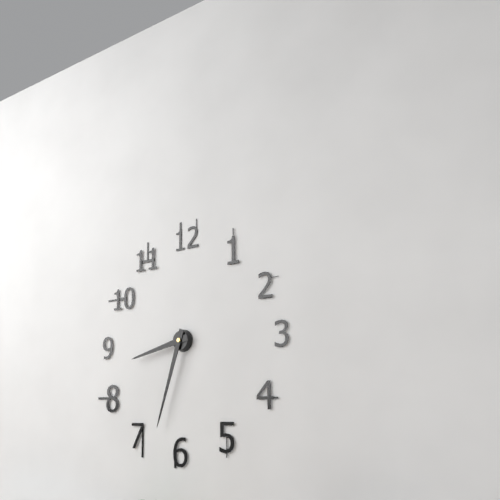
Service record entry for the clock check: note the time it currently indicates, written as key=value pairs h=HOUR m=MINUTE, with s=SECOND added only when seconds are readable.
h=8 m=33
